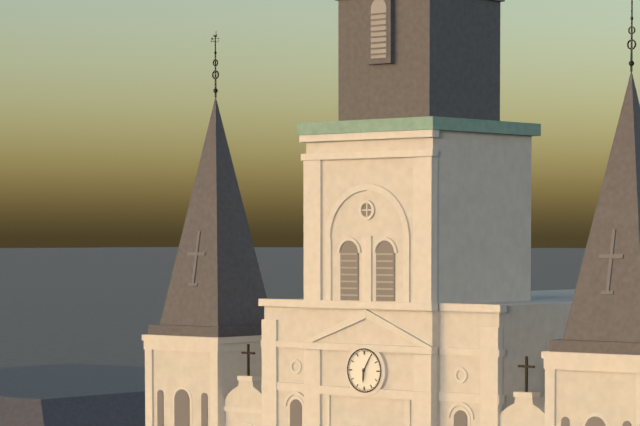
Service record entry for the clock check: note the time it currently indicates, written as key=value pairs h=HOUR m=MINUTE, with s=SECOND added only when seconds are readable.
h=6 m=5
